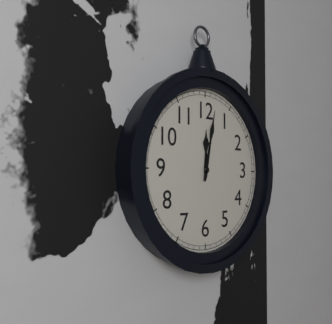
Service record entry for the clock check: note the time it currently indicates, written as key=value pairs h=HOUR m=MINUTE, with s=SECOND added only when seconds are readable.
h=12 m=2
